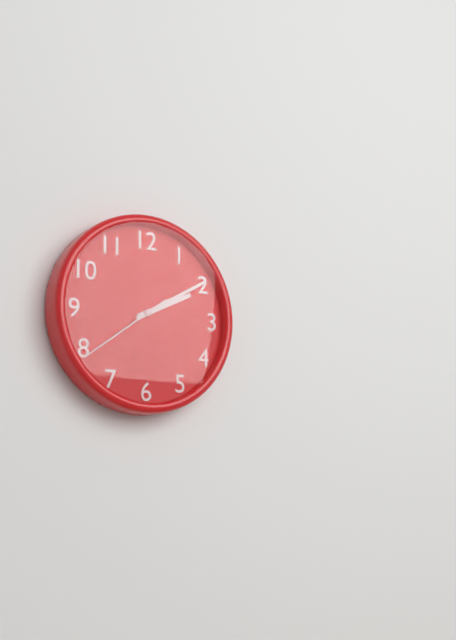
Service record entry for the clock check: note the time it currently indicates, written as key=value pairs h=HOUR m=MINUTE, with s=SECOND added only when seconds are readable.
h=2 m=10 s=39
